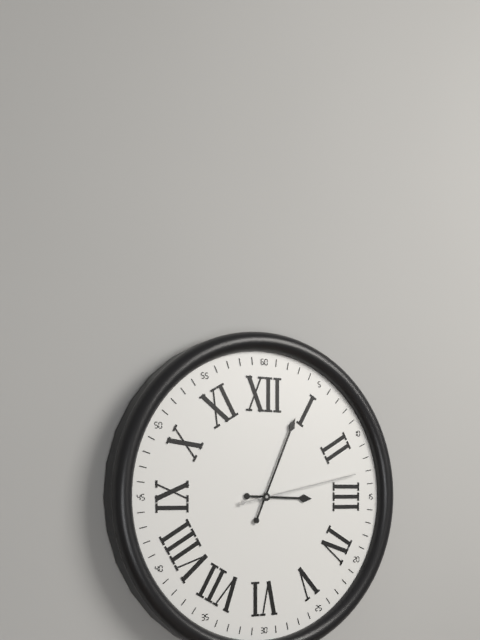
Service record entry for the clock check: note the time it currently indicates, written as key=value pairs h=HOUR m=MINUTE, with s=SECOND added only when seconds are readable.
h=3 m=4 s=13
